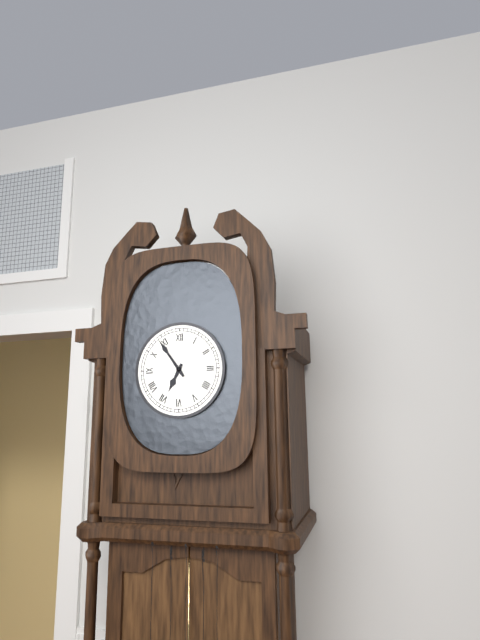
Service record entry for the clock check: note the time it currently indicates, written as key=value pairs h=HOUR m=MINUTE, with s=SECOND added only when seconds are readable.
h=6 m=54
